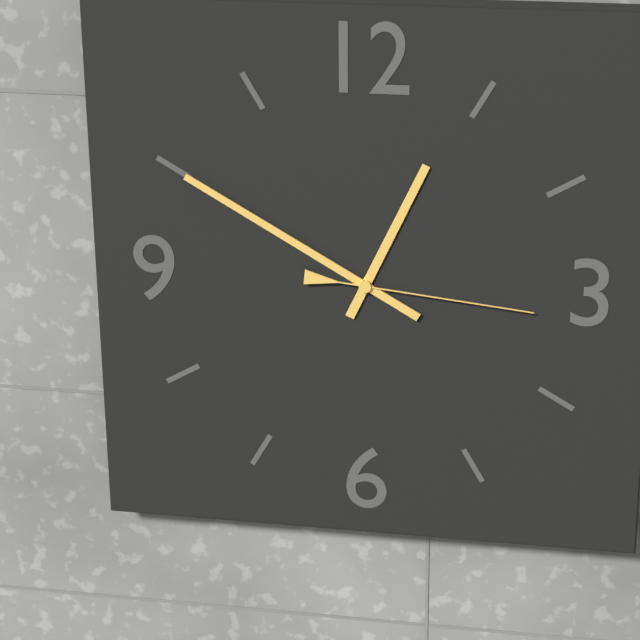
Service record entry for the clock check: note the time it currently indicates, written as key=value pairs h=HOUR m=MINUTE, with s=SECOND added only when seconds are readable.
h=12 m=50 s=16
